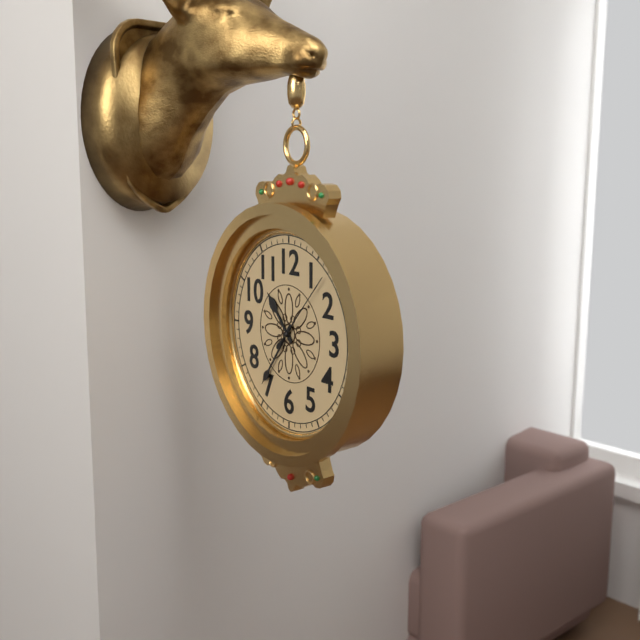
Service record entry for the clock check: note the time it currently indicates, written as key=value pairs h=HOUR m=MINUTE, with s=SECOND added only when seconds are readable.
h=10 m=36 s=7
